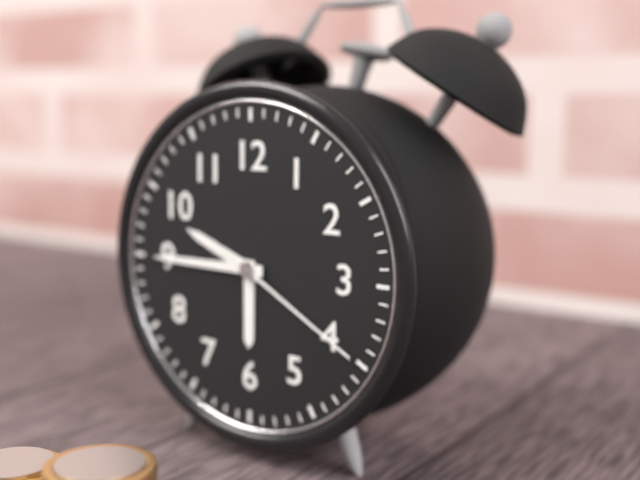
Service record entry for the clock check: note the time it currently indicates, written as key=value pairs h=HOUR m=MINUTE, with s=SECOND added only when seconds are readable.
h=9 m=45 s=20
